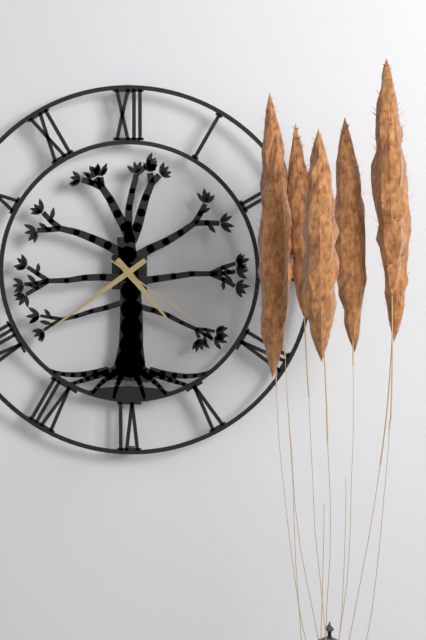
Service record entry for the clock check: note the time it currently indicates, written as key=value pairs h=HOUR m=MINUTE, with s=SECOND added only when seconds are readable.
h=4 m=39 s=21
